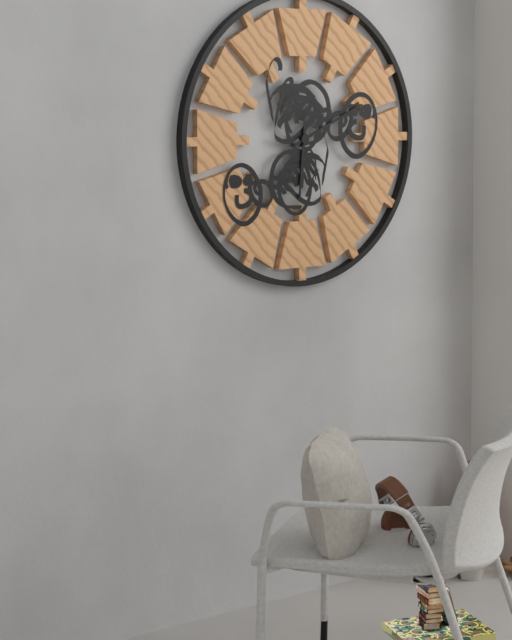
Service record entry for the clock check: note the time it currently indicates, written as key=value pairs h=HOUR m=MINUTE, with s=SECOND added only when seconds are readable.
h=6 m=11
